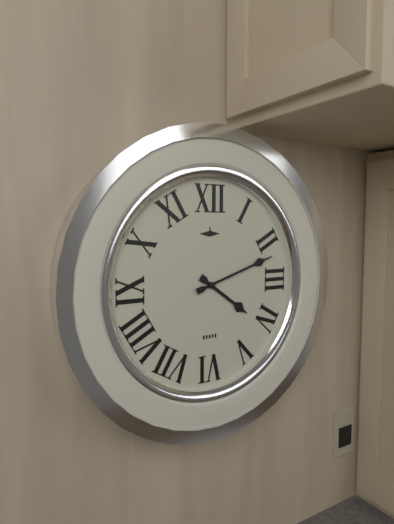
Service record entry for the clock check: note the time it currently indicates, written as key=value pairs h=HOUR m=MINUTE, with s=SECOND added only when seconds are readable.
h=4 m=12
